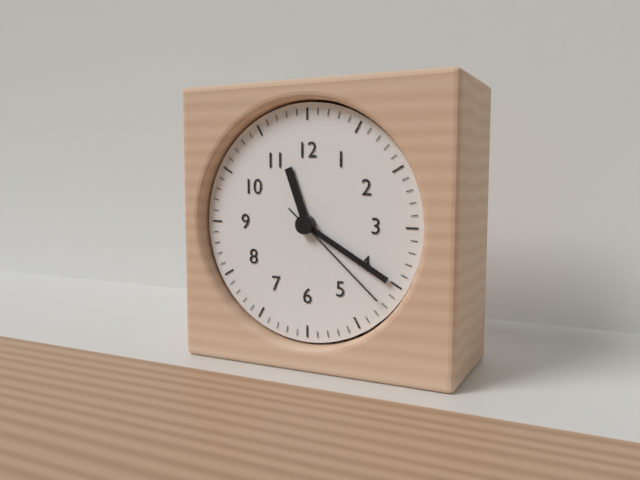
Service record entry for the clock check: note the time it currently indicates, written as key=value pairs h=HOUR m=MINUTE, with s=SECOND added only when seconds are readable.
h=11 m=20 s=22
